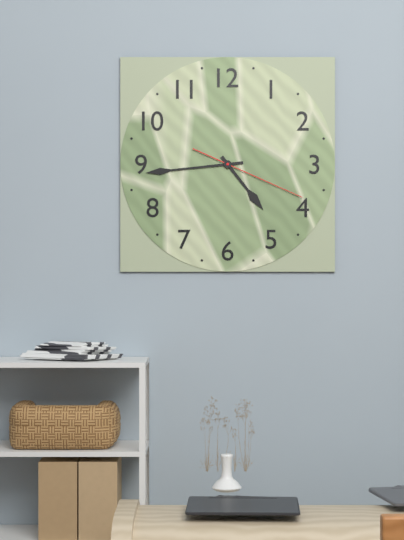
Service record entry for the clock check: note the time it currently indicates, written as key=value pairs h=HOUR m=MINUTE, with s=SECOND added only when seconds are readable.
h=4 m=44 s=19
